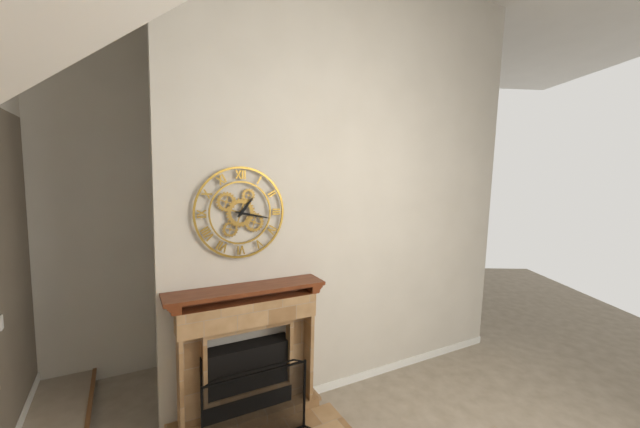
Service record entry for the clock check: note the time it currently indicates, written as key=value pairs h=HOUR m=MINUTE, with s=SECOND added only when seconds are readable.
h=1 m=17
